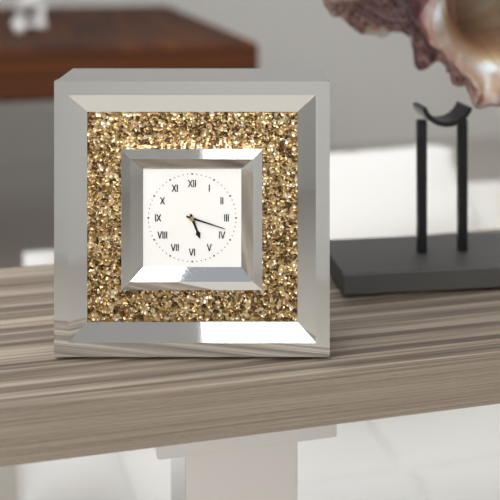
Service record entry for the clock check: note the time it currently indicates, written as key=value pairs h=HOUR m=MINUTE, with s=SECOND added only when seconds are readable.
h=5 m=18
